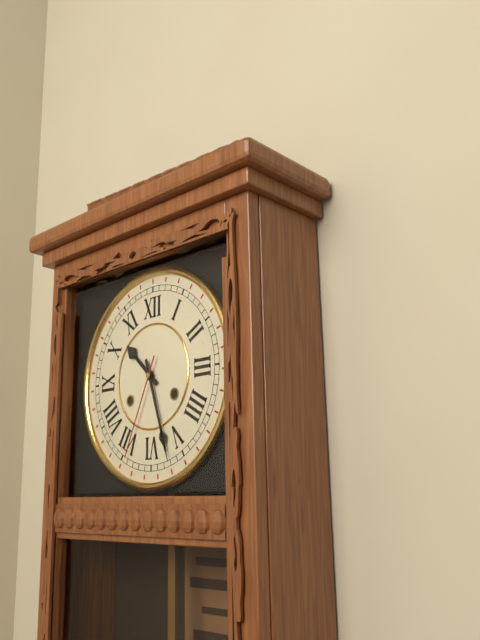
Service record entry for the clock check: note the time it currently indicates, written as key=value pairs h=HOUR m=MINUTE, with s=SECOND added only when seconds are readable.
h=10 m=27 s=34
